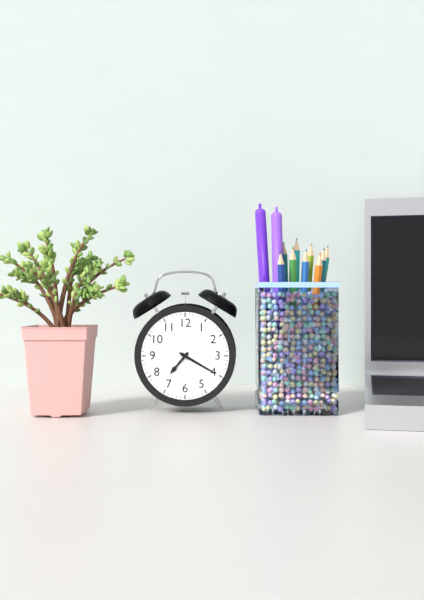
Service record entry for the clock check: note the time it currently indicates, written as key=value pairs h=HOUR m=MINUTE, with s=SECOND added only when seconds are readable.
h=7 m=20
